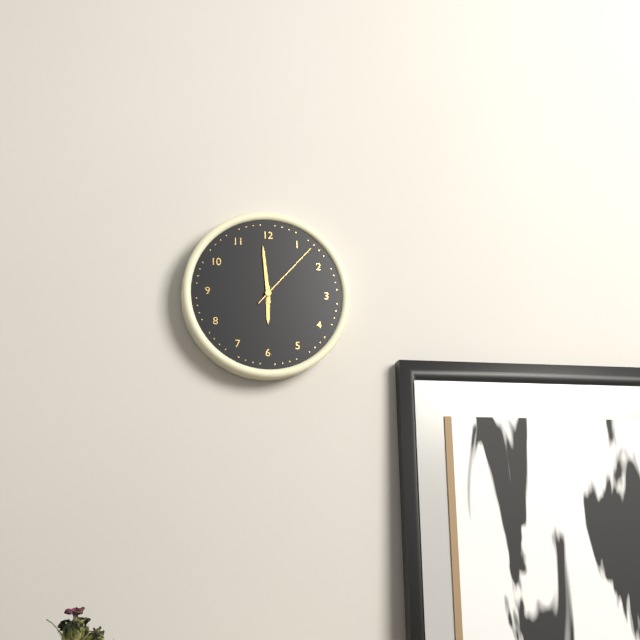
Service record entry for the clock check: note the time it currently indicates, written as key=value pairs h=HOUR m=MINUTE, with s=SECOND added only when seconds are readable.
h=5 m=59 s=7
